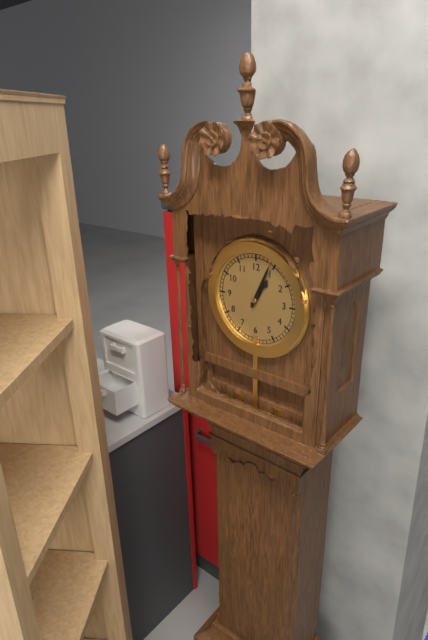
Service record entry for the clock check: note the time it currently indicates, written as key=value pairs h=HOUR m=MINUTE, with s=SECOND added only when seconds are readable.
h=1 m=4
